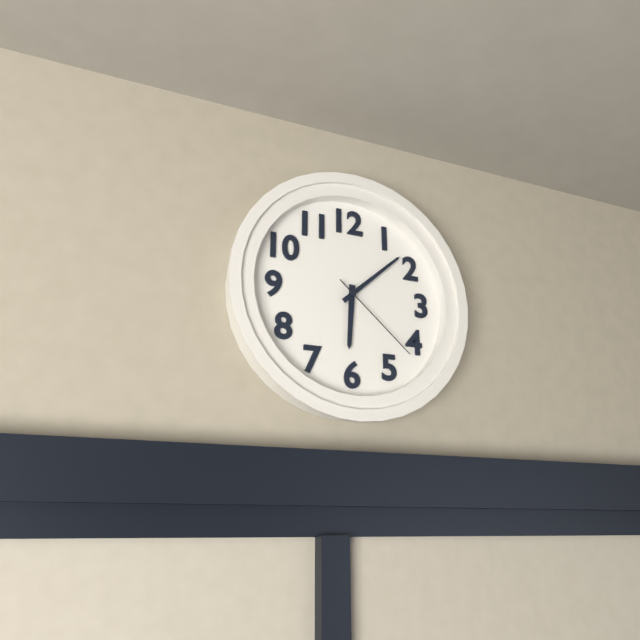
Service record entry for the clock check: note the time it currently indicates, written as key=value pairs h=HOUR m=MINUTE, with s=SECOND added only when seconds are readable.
h=6 m=8 s=22
